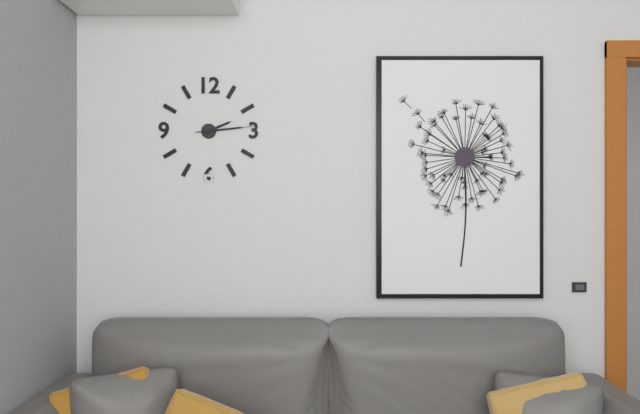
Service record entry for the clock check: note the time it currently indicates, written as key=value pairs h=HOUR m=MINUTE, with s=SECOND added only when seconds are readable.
h=2 m=14 s=14
